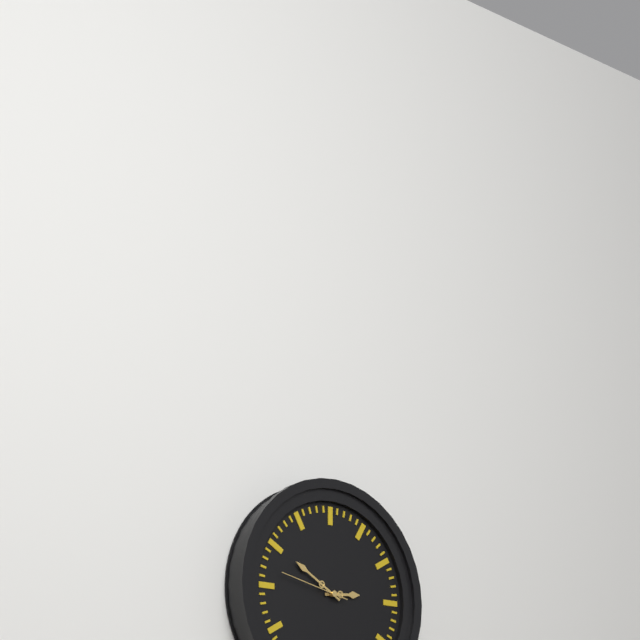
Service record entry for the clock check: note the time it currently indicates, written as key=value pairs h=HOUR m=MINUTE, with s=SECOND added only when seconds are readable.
h=2 m=50 s=47
